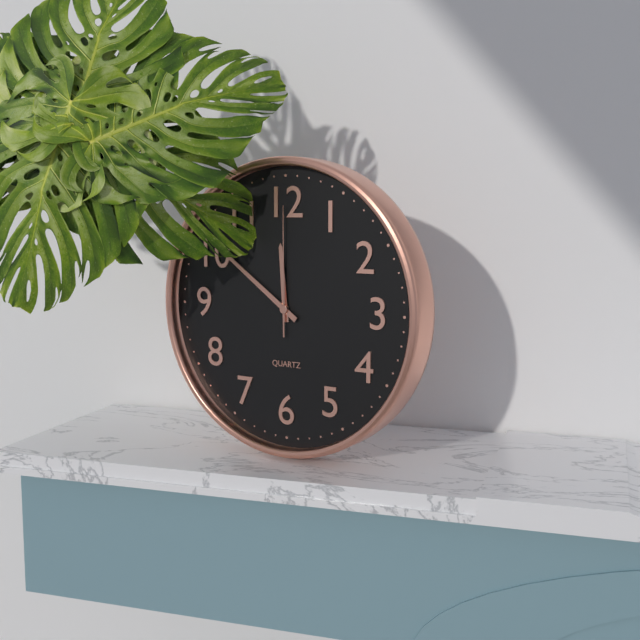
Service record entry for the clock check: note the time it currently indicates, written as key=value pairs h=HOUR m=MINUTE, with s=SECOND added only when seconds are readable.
h=11 m=51 s=0
